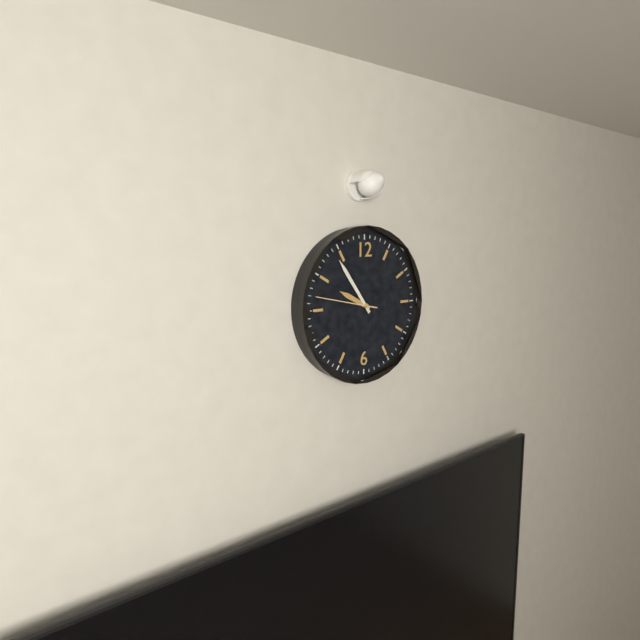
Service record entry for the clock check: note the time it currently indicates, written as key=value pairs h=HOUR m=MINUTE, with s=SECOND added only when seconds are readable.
h=9 m=54
